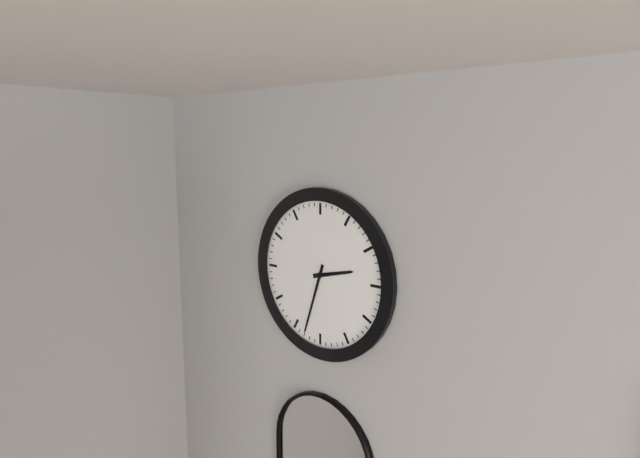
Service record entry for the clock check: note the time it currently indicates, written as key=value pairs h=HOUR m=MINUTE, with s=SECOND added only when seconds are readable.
h=2 m=33
